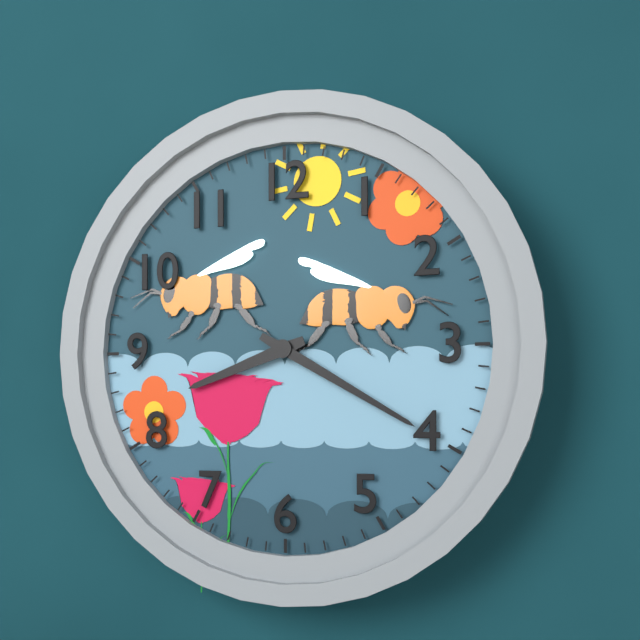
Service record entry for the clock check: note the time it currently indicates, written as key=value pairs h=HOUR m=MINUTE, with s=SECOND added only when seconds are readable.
h=8 m=20
